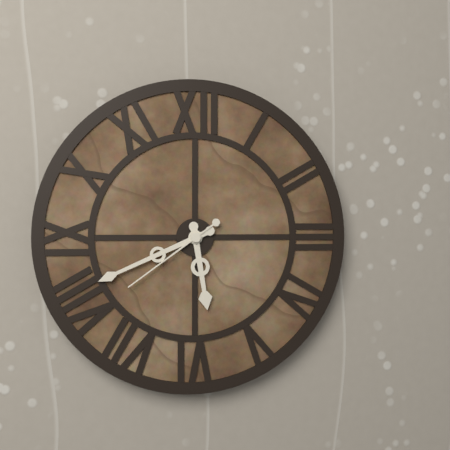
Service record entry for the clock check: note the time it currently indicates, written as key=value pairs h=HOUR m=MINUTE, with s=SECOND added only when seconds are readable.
h=5 m=41 s=39
